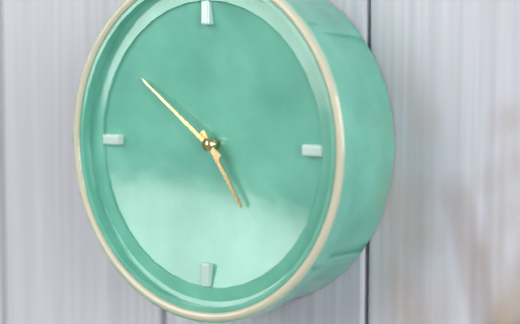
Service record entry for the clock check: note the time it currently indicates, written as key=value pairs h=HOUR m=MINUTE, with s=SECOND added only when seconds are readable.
h=4 m=51
